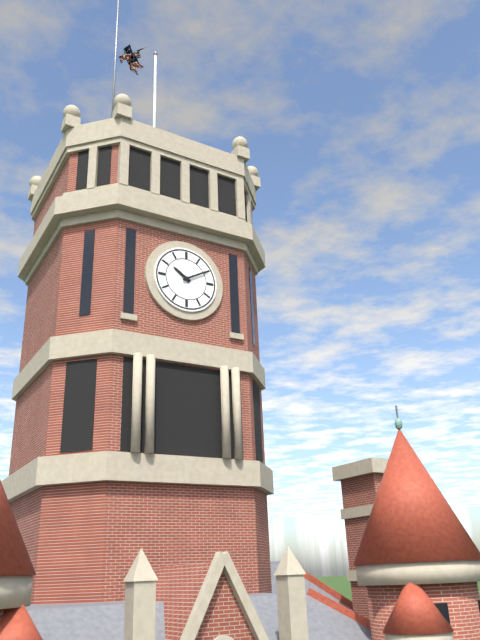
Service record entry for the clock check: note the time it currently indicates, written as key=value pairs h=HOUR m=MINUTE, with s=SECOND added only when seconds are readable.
h=10 m=10
